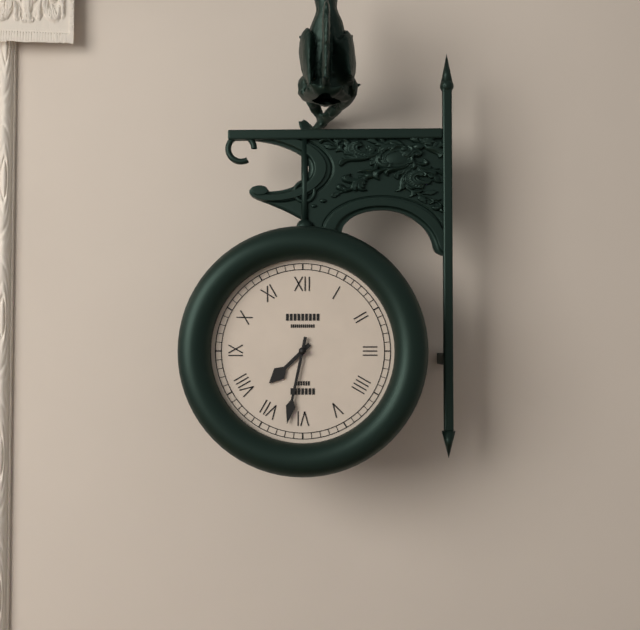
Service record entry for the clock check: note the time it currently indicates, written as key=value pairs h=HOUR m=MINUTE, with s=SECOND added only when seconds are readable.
h=7 m=32
